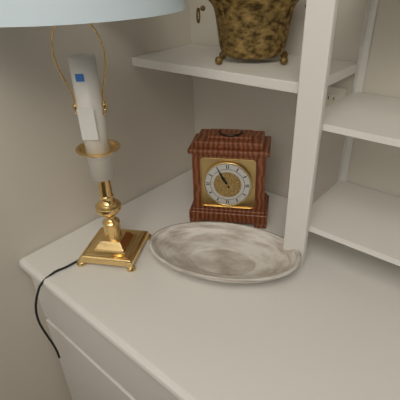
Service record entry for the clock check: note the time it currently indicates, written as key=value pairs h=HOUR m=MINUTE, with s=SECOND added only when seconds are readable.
h=10 m=55
